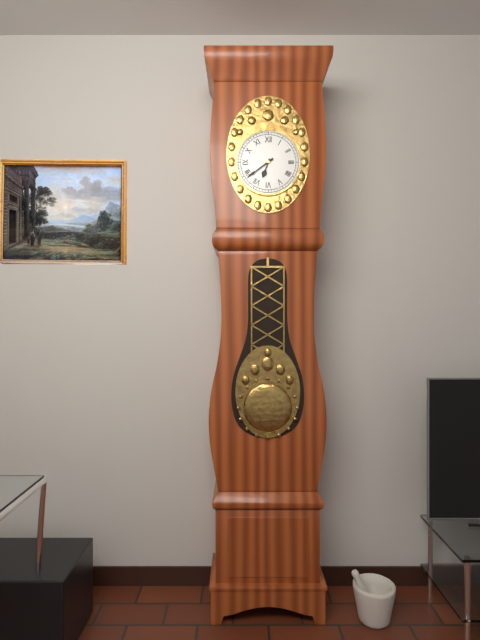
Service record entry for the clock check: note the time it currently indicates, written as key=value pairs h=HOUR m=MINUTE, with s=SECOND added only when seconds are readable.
h=6 m=39
